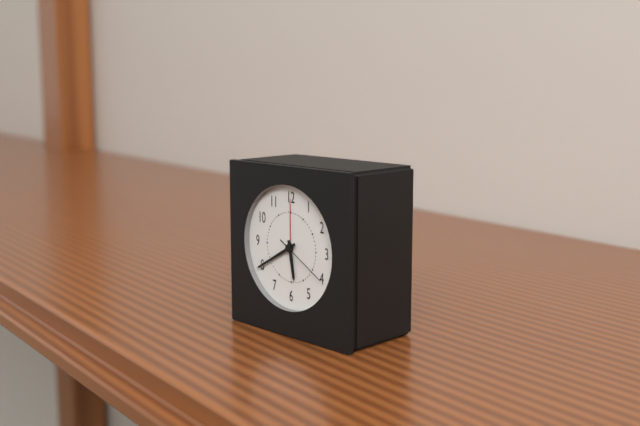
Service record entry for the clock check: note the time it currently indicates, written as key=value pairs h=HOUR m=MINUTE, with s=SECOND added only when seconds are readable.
h=5 m=40 s=20
